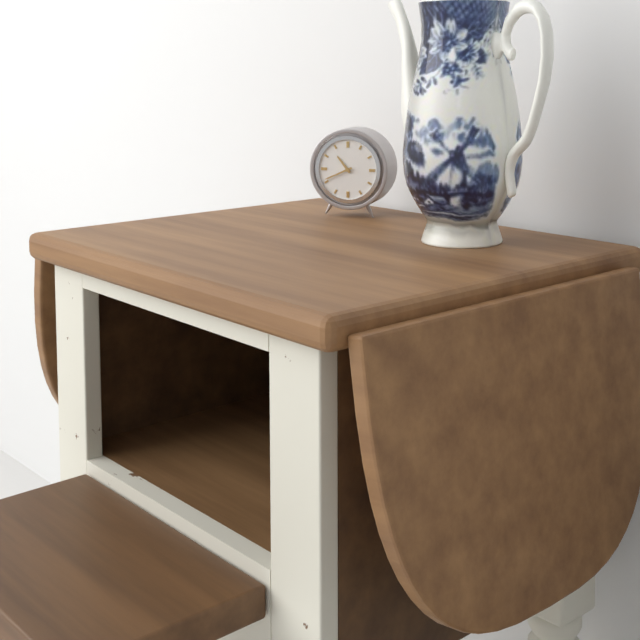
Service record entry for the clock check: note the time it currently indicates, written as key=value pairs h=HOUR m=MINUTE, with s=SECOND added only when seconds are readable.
h=10 m=41
